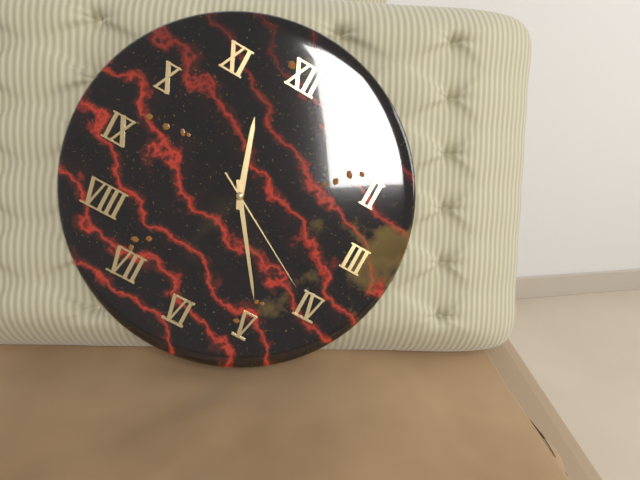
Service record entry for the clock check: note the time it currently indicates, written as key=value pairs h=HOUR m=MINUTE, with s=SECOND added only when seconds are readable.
h=11 m=24 s=20
